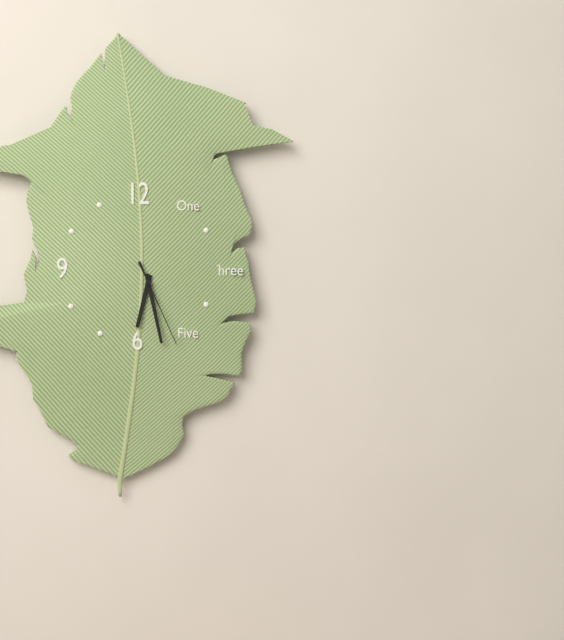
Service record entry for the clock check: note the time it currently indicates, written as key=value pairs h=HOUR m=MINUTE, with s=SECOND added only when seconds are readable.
h=6 m=28 s=26
